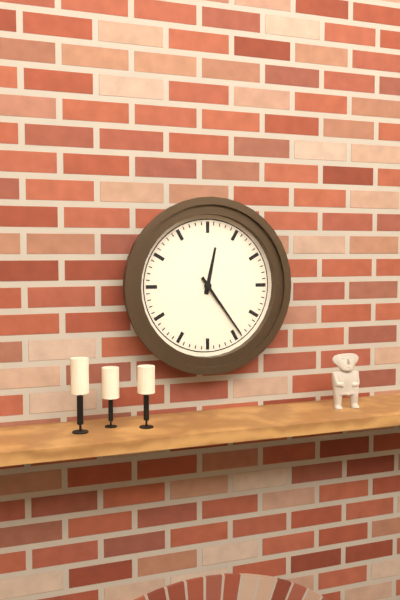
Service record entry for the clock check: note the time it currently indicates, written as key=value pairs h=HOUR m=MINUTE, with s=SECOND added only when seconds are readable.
h=12 m=24
